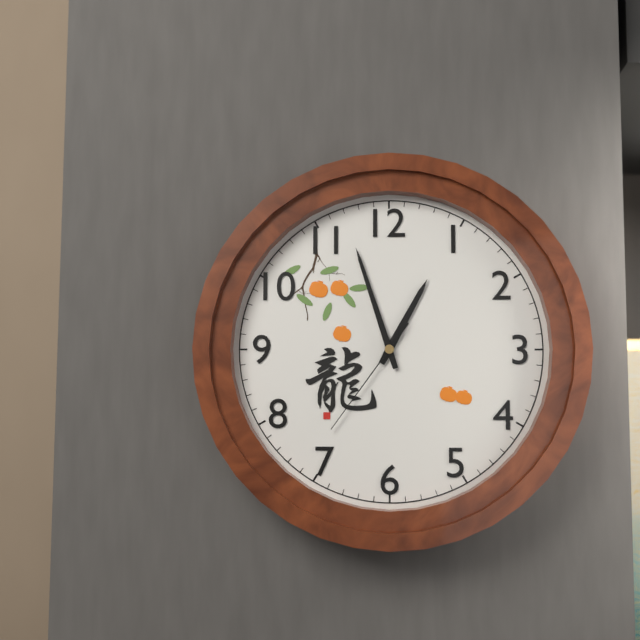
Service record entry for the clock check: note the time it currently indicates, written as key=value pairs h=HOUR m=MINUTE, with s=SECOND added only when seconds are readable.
h=12 m=57 s=36
